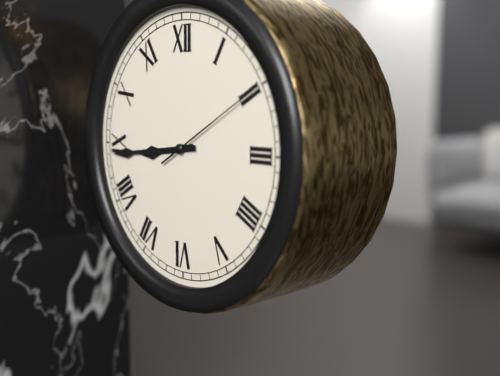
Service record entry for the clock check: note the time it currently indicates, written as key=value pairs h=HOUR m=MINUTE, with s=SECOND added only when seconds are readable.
h=8 m=44 s=10
